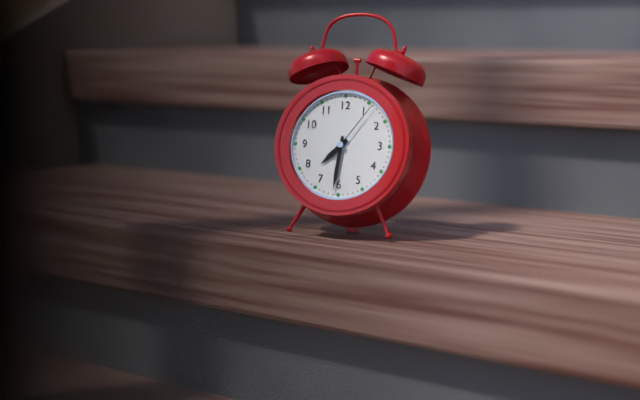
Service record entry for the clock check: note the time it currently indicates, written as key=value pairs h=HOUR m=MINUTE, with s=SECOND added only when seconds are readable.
h=7 m=31 s=6
